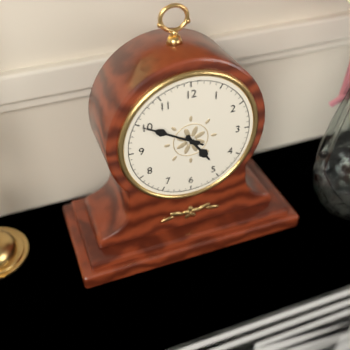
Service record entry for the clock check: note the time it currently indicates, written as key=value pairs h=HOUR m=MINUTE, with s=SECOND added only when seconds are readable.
h=4 m=50 s=50
